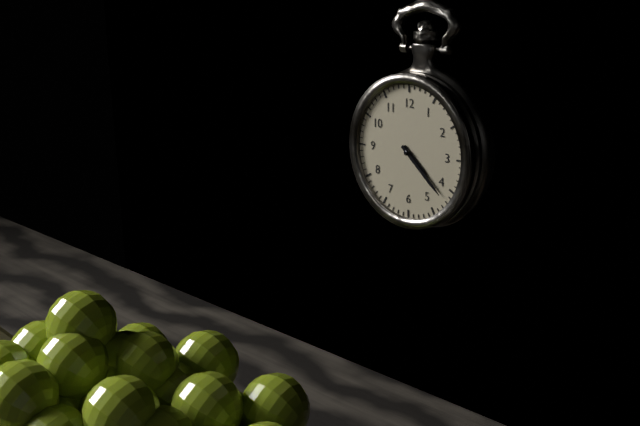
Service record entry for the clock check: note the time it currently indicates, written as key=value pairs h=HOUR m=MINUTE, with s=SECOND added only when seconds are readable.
h=4 m=22
